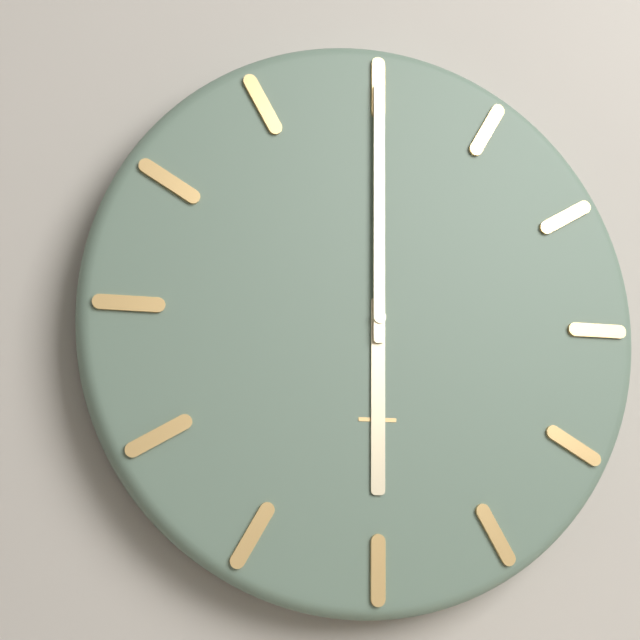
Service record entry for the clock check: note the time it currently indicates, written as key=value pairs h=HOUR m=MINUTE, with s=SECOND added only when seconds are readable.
h=6 m=0
